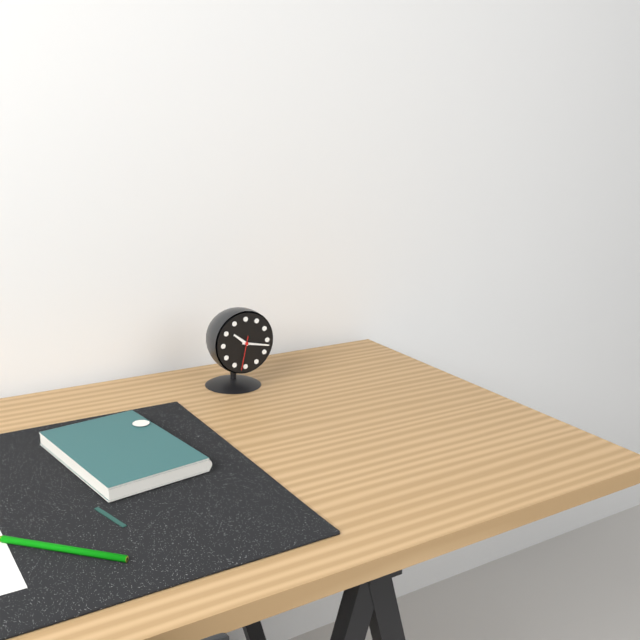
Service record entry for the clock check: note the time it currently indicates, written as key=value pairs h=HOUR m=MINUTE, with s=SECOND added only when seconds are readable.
h=10 m=17
